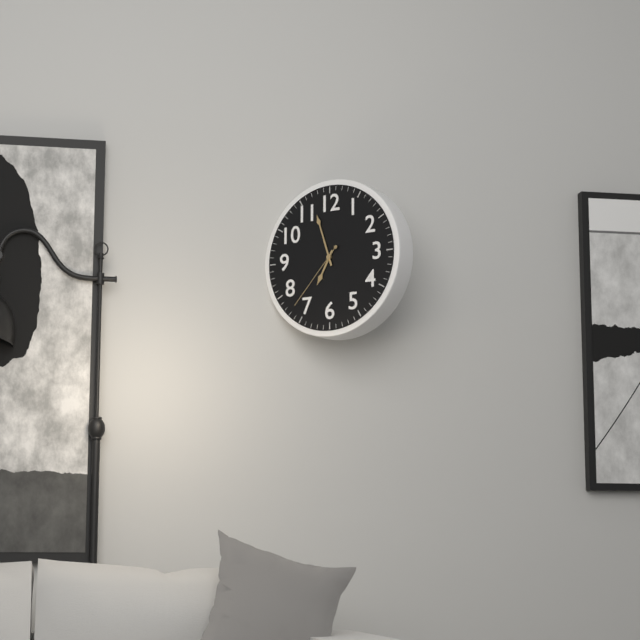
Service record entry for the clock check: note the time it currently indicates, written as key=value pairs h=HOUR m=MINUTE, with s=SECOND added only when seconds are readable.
h=6 m=57 s=37
